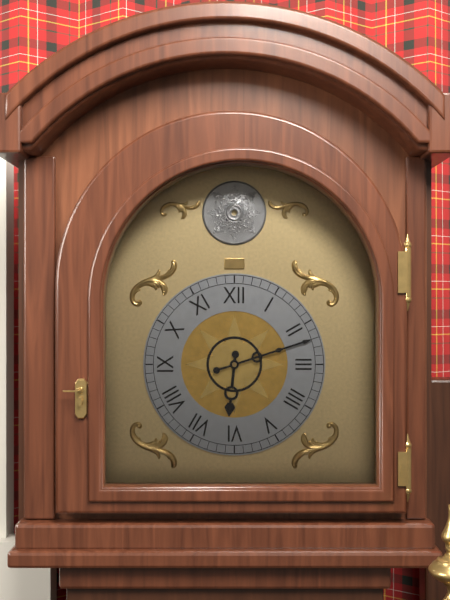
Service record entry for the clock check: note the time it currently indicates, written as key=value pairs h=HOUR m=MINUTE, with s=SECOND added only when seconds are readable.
h=6 m=12
